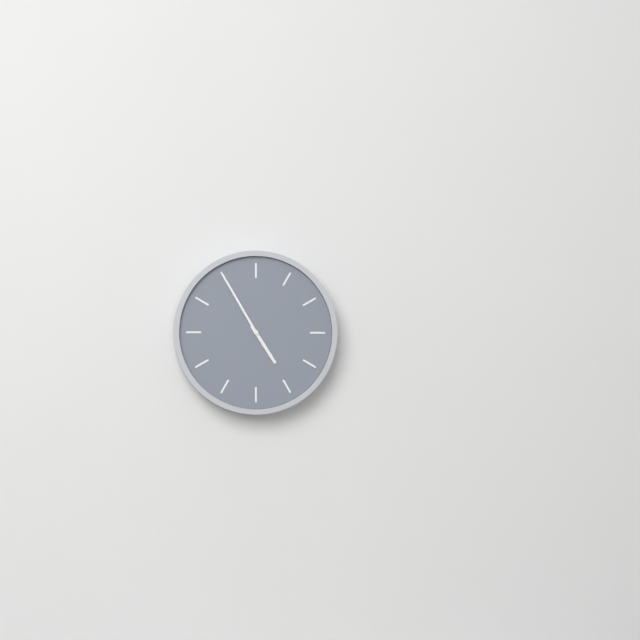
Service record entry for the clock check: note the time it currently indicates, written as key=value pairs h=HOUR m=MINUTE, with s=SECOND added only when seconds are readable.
h=4 m=55
